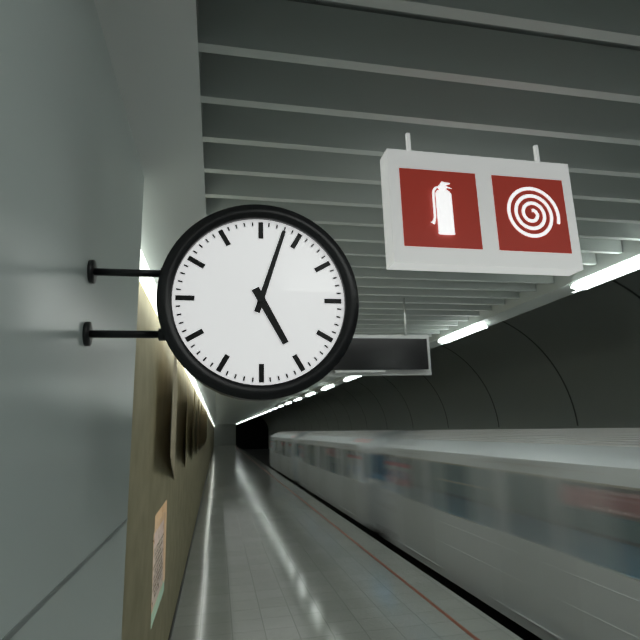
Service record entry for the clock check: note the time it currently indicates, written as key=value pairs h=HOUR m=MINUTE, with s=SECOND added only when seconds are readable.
h=5 m=3
